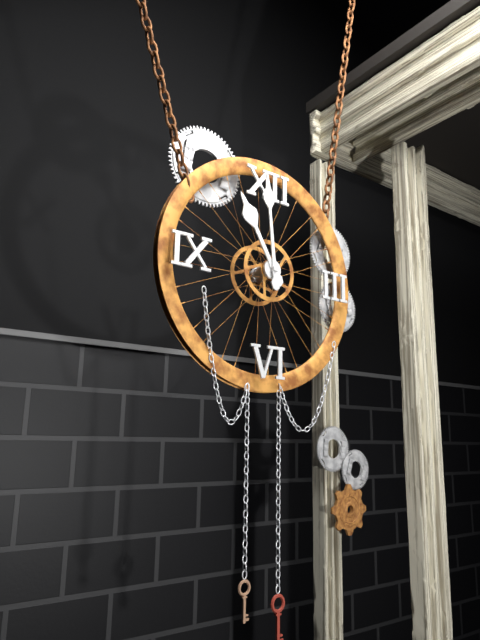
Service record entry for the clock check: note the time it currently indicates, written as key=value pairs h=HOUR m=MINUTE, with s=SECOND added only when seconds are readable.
h=10 m=59
